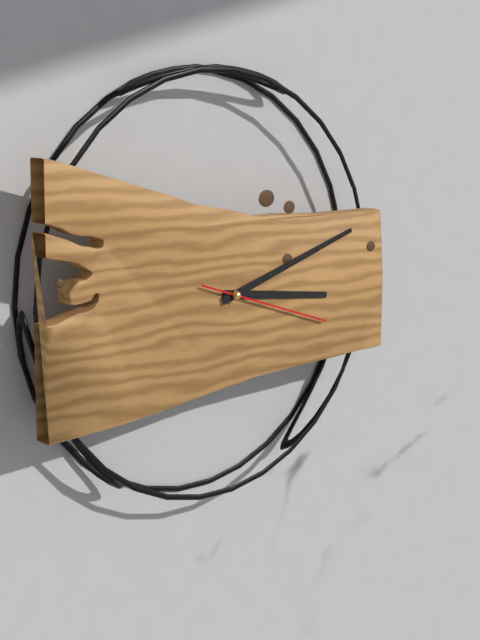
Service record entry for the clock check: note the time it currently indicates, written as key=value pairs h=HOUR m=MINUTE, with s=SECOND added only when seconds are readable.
h=3 m=12 s=18
